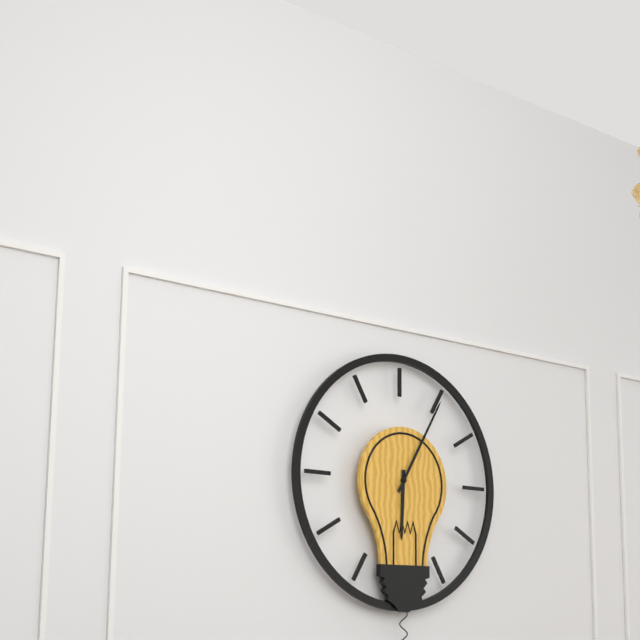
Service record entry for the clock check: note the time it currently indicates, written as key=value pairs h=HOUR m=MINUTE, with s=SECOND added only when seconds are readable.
h=6 m=5
